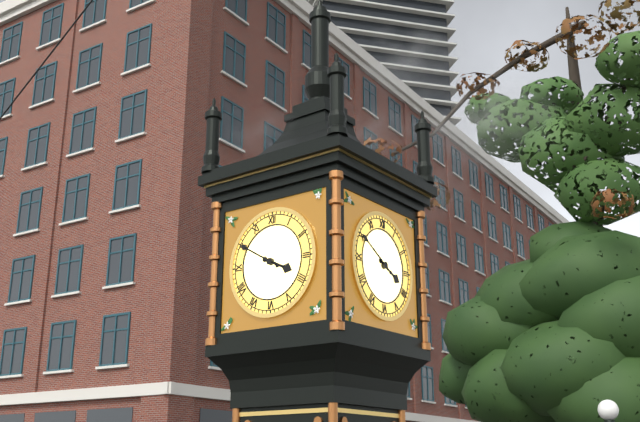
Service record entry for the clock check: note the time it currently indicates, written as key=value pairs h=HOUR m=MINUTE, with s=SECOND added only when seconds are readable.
h=3 m=50
